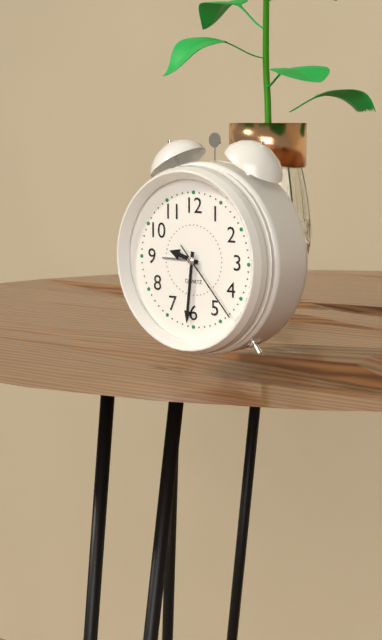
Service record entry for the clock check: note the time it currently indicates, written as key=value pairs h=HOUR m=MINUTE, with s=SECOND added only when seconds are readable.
h=9 m=31 s=23
